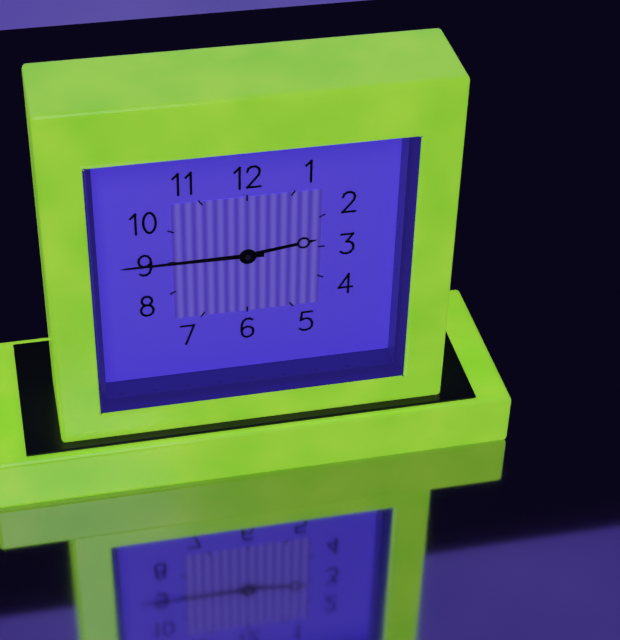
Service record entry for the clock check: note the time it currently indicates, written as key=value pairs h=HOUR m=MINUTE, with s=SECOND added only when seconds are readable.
h=2 m=45
